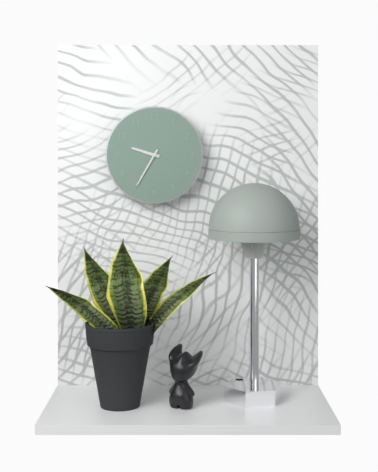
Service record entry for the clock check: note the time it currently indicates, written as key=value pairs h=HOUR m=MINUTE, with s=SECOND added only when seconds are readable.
h=9 m=35
